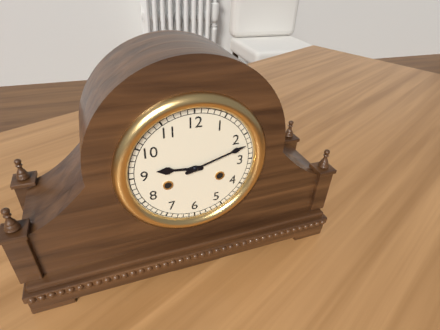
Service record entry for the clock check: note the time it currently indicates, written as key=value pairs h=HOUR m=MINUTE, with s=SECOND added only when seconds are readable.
h=9 m=12
